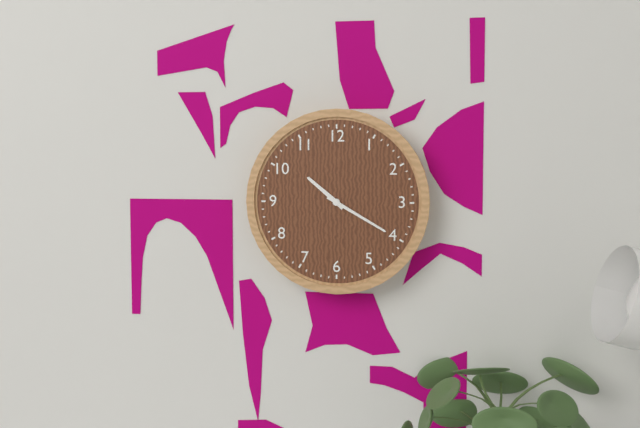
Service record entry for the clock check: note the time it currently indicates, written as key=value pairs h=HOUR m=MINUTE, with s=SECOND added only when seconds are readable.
h=10 m=20
